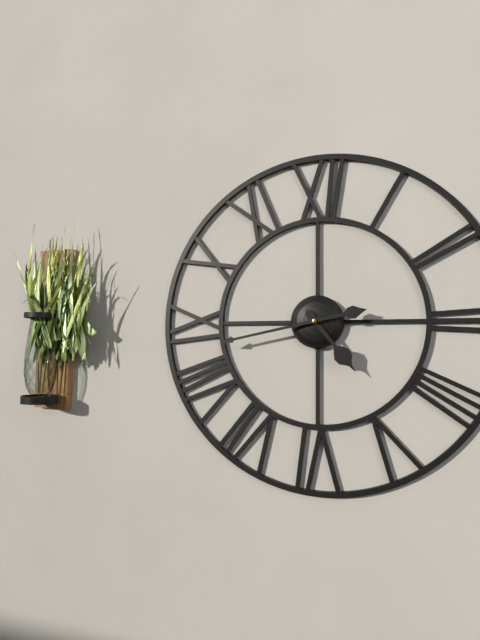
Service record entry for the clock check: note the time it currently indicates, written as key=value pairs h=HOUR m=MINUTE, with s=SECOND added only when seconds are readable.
h=4 m=43
